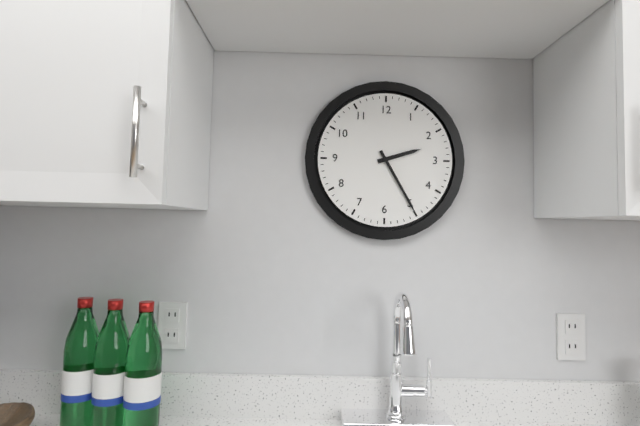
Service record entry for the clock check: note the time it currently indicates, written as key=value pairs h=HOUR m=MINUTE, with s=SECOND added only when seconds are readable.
h=2 m=25
